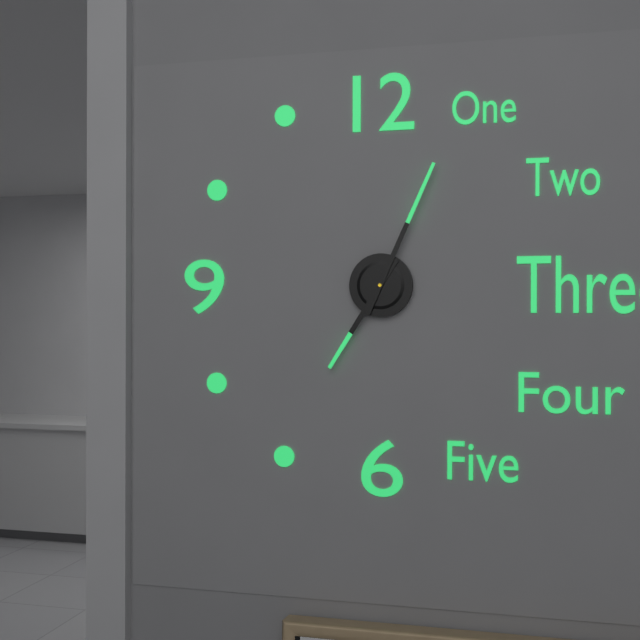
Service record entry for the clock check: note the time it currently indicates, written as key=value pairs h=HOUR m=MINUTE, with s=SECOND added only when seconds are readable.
h=7 m=4
